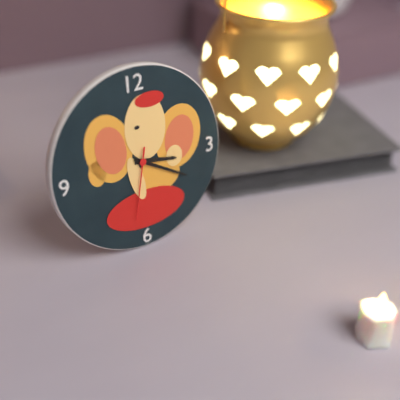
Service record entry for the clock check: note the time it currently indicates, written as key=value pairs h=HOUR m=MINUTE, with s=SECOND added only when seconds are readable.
h=3 m=20 s=32
